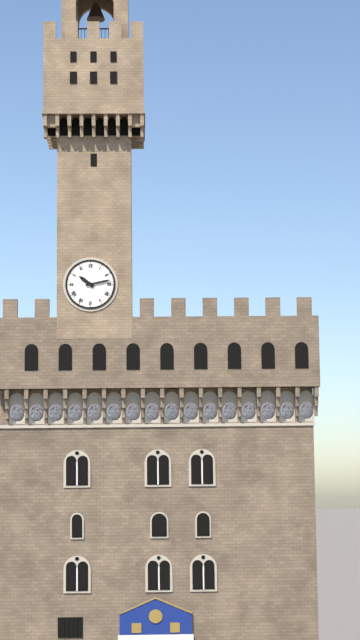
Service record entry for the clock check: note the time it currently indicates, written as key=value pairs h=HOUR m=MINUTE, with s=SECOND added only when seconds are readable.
h=10 m=13
